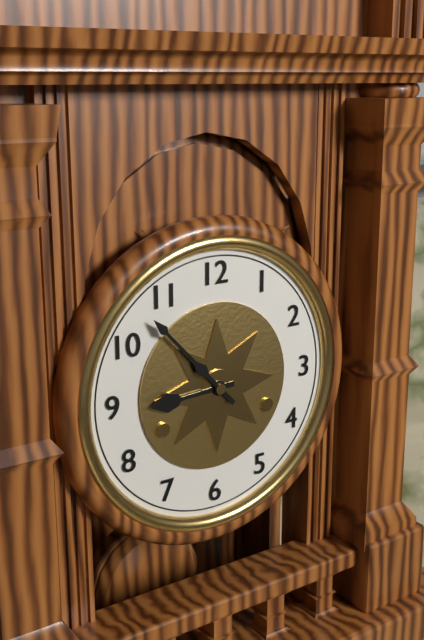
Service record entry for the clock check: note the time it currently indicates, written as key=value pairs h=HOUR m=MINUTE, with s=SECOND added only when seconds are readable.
h=8 m=53
